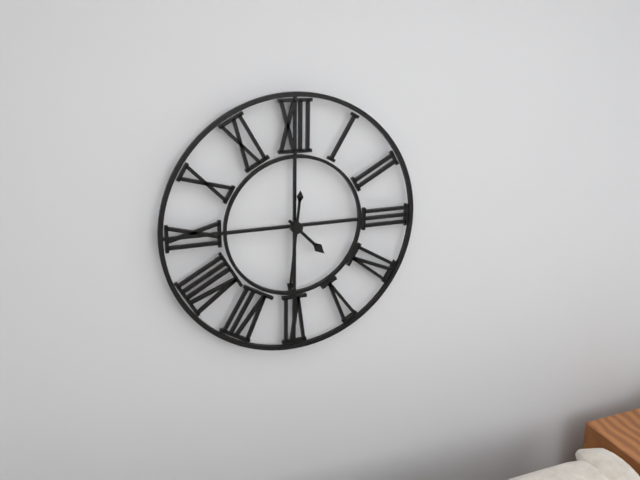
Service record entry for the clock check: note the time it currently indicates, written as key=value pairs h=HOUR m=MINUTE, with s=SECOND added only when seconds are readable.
h=4 m=31
